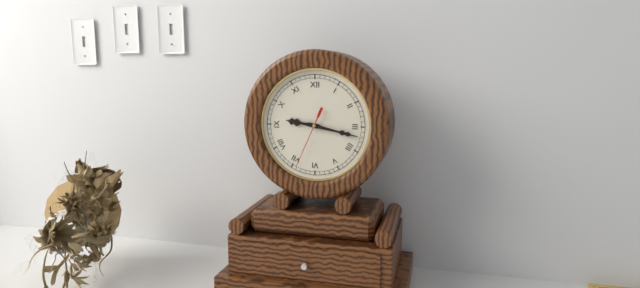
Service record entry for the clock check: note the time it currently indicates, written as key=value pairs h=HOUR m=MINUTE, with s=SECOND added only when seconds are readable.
h=9 m=17 s=34
